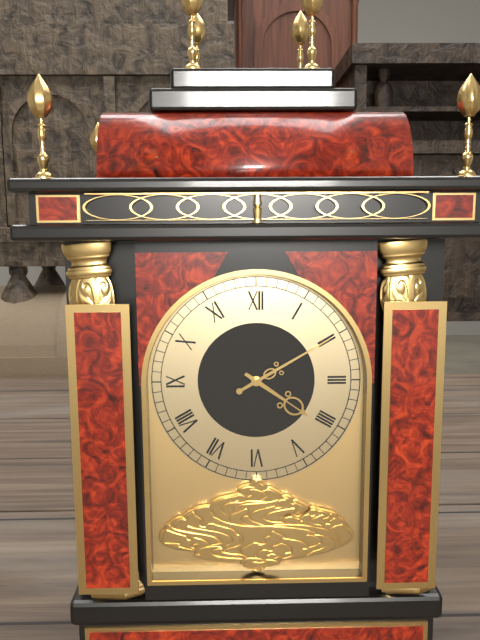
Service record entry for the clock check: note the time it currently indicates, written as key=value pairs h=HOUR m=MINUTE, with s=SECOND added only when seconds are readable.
h=4 m=10
